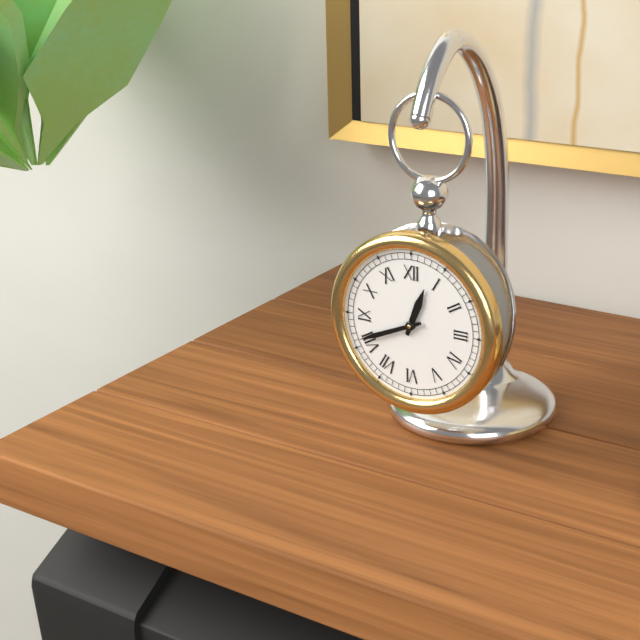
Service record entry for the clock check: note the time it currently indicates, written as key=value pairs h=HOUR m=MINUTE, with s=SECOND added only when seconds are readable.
h=12 m=41
